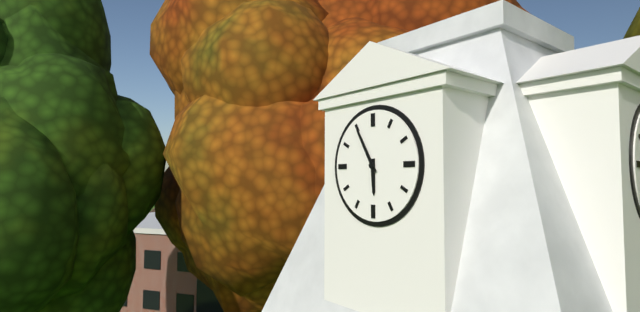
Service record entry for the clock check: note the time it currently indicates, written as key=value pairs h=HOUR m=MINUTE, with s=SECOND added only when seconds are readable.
h=5 m=55
